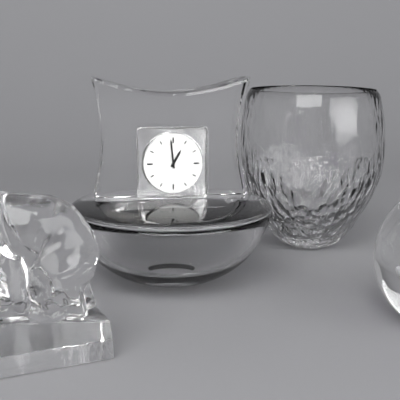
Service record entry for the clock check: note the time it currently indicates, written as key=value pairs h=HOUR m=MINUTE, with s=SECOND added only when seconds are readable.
h=12 m=59
